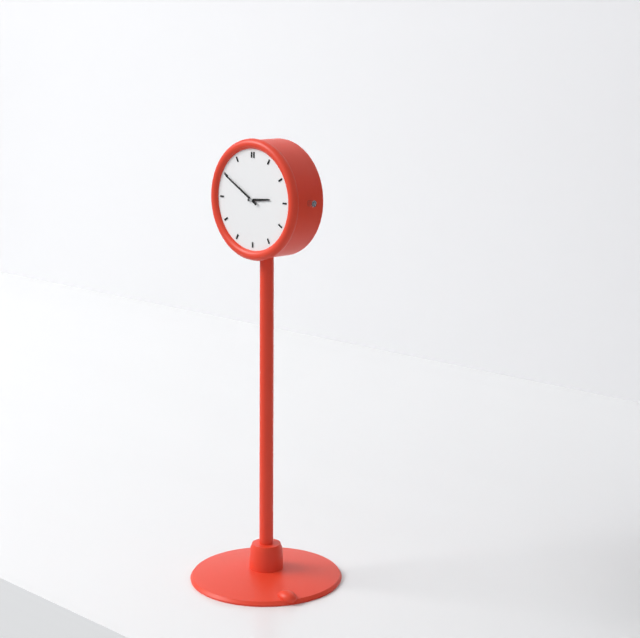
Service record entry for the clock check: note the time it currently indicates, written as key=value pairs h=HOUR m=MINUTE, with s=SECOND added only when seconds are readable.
h=2 m=50
